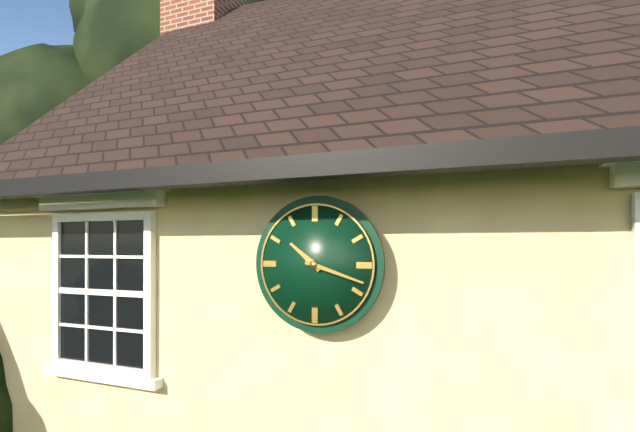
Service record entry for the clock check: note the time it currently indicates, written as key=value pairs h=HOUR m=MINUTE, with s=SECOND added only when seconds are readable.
h=10 m=18
